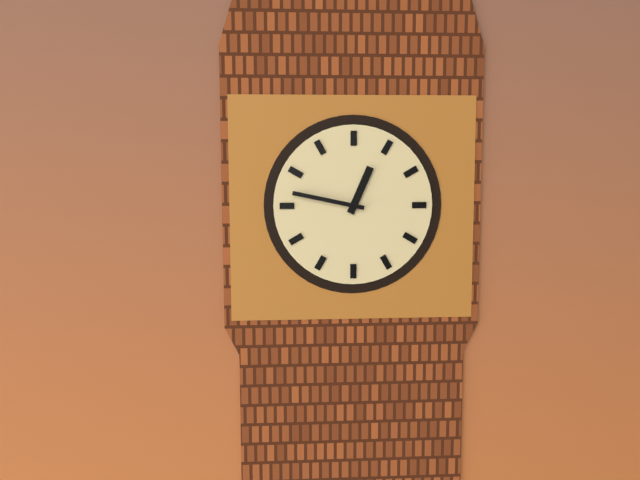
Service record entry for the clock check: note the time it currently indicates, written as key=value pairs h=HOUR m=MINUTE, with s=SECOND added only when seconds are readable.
h=12 m=47
